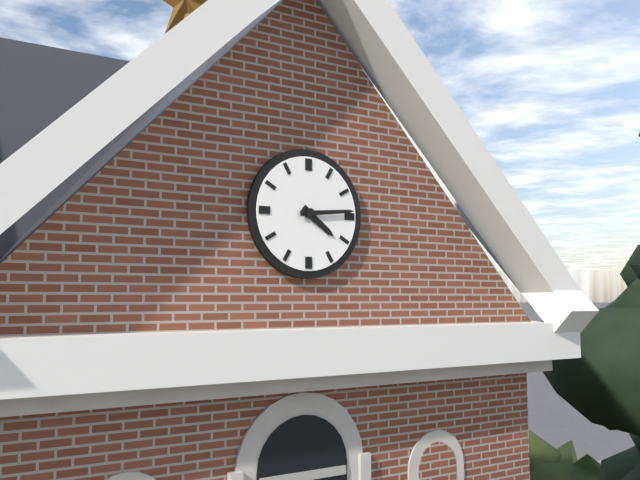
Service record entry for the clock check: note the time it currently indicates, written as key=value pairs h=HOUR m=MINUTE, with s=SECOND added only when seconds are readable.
h=4 m=14
